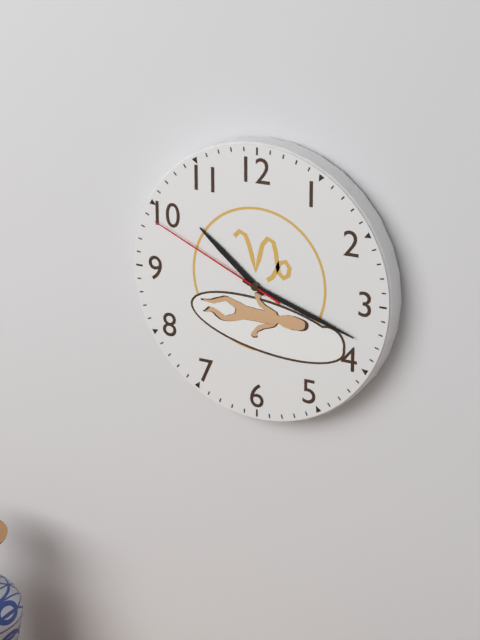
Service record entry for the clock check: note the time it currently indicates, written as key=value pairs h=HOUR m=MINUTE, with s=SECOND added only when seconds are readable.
h=10 m=18 s=49
